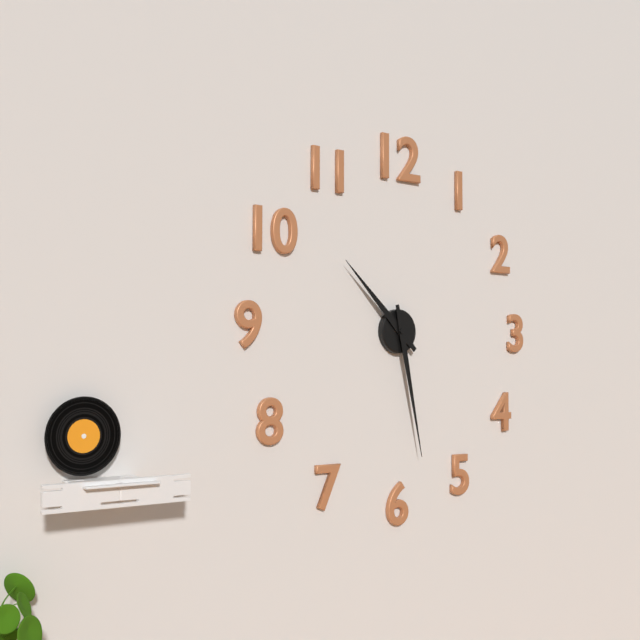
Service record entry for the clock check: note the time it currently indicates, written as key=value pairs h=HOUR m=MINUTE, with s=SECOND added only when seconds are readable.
h=10 m=28
